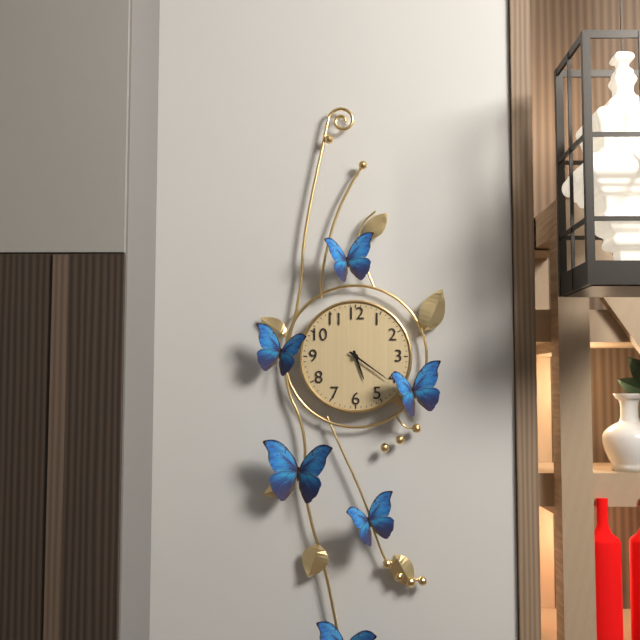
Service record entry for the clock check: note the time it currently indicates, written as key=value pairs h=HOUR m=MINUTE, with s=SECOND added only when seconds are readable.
h=5 m=21
